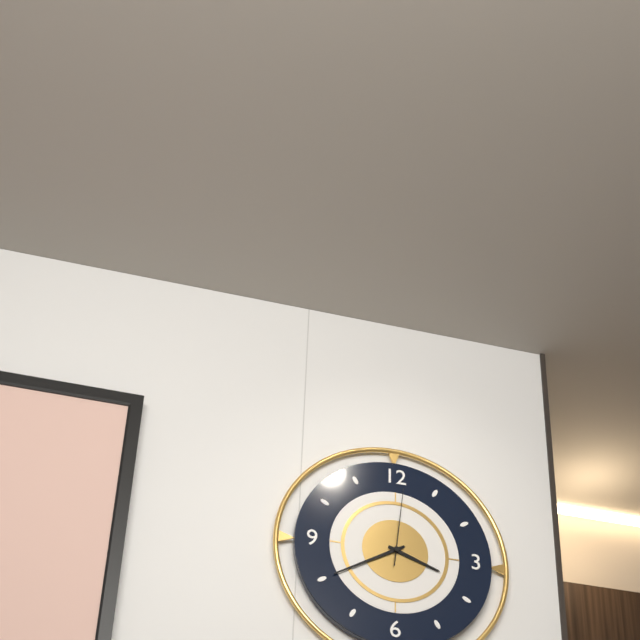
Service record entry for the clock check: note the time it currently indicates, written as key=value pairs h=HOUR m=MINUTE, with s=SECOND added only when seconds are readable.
h=3 m=40 s=1
